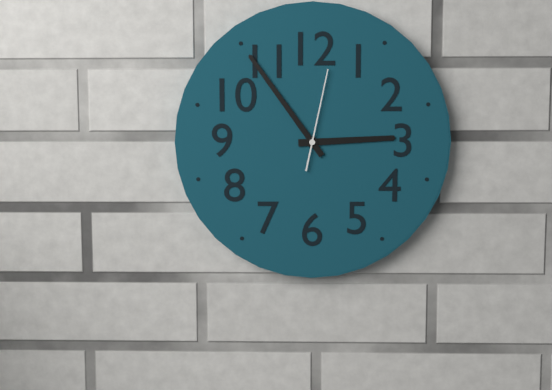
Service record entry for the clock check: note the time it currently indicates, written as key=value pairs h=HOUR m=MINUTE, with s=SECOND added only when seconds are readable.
h=2 m=54 s=2
